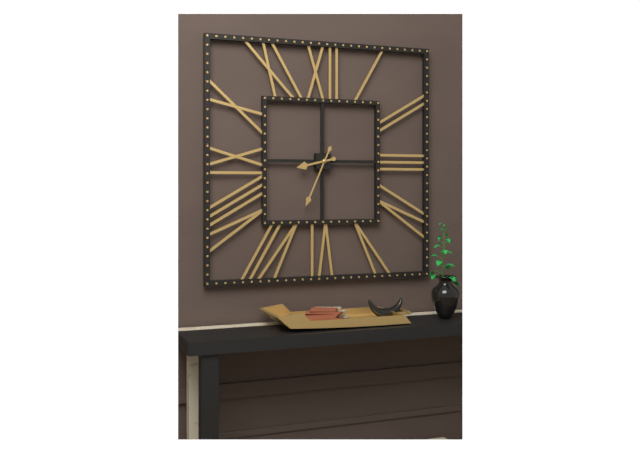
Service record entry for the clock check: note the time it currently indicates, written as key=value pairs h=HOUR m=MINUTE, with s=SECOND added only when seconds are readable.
h=8 m=34
